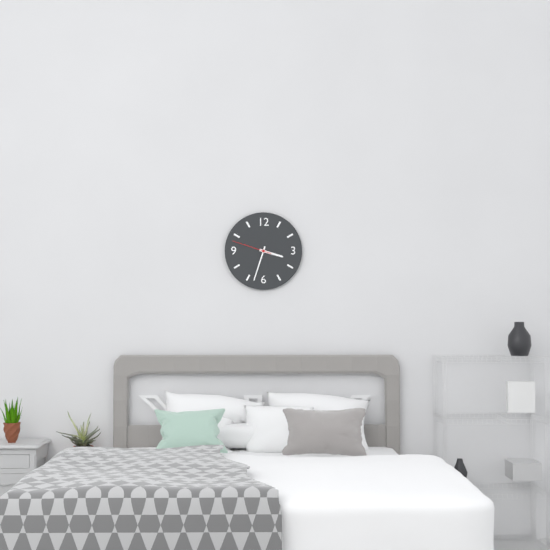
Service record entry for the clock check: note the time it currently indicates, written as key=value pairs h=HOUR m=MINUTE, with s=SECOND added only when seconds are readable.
h=3 m=33
